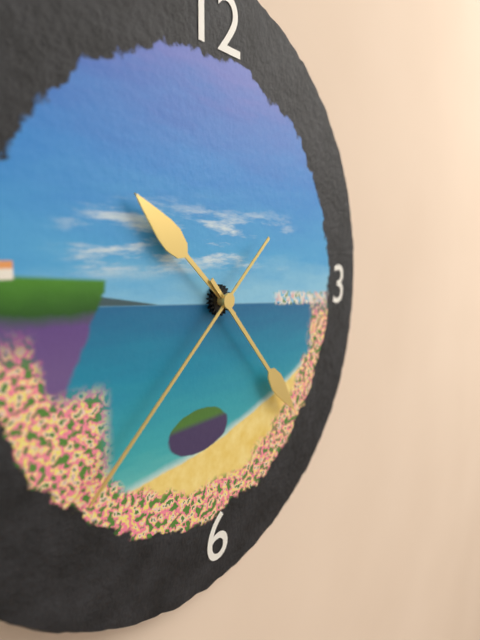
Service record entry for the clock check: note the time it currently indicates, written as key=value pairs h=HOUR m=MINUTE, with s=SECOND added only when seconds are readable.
h=10 m=23 s=38
